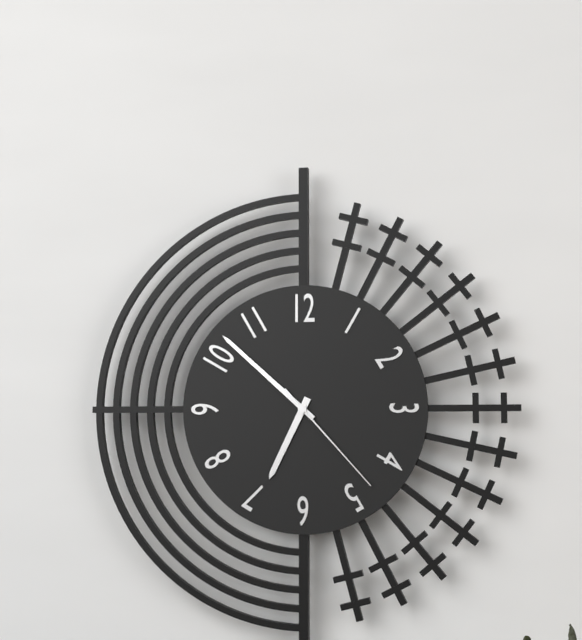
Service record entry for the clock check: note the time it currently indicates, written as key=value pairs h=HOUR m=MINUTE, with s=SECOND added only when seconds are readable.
h=6 m=52 s=23
